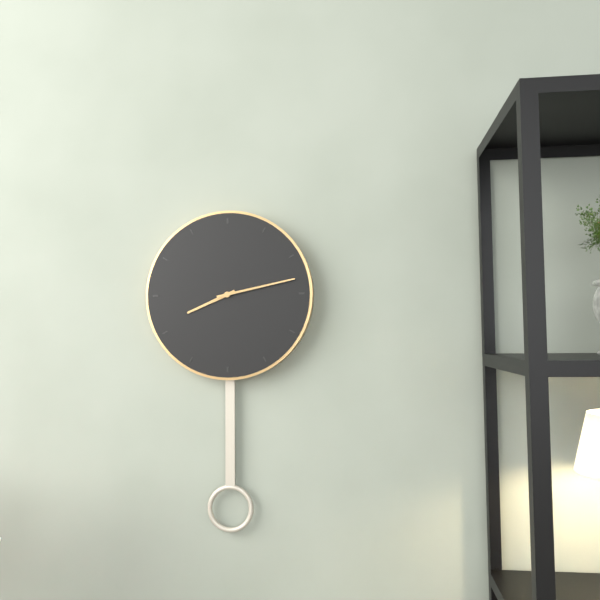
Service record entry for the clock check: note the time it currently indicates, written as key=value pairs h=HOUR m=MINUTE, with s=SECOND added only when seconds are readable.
h=8 m=13
